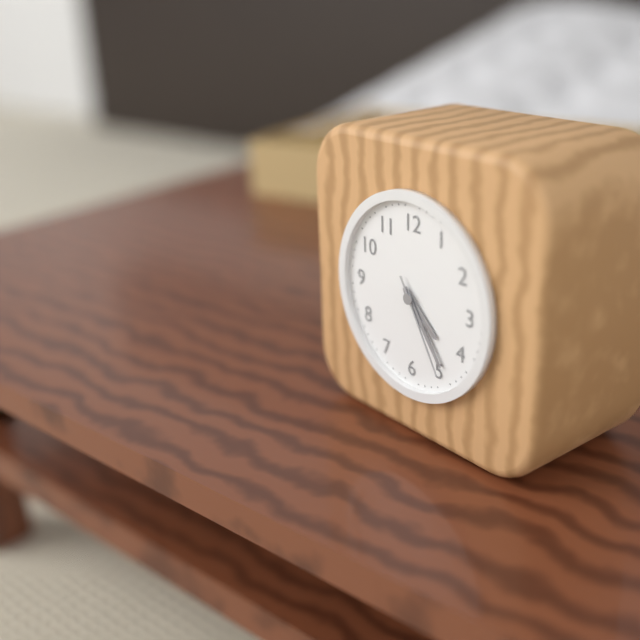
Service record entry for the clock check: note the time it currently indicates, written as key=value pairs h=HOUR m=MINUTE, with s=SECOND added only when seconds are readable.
h=4 m=24 s=25
